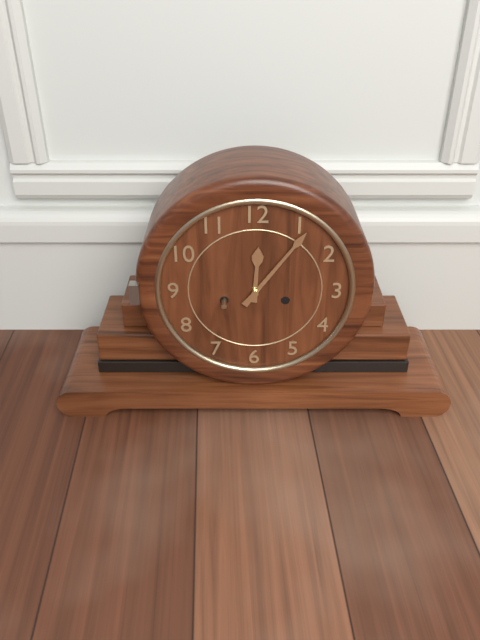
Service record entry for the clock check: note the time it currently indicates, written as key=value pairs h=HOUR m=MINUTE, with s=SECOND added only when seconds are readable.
h=12 m=6
